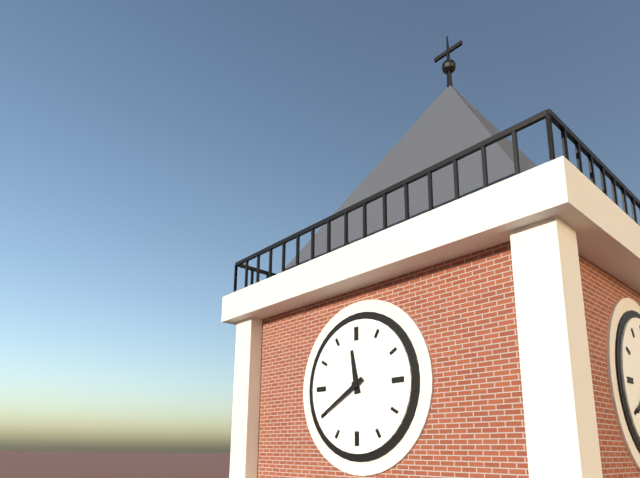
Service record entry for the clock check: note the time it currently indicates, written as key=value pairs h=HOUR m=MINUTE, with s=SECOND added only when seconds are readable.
h=11 m=40
